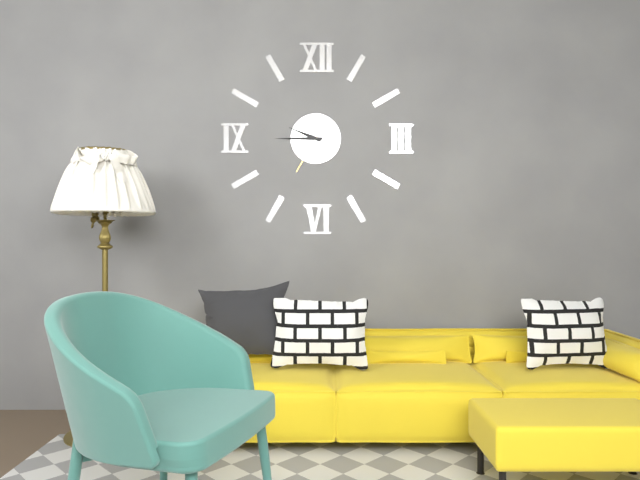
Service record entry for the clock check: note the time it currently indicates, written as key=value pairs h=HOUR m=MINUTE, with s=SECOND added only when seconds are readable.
h=9 m=45
